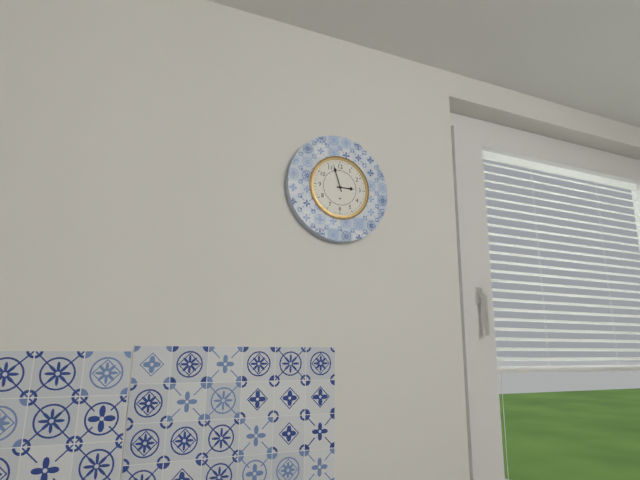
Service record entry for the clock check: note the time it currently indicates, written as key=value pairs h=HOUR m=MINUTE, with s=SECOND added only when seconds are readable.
h=2 m=57
